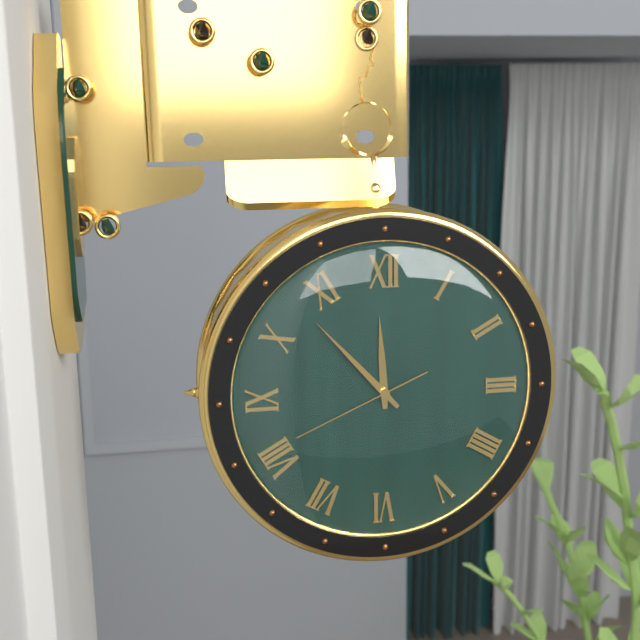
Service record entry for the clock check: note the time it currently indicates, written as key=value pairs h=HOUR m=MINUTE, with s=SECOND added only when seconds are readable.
h=11 m=53 s=41
